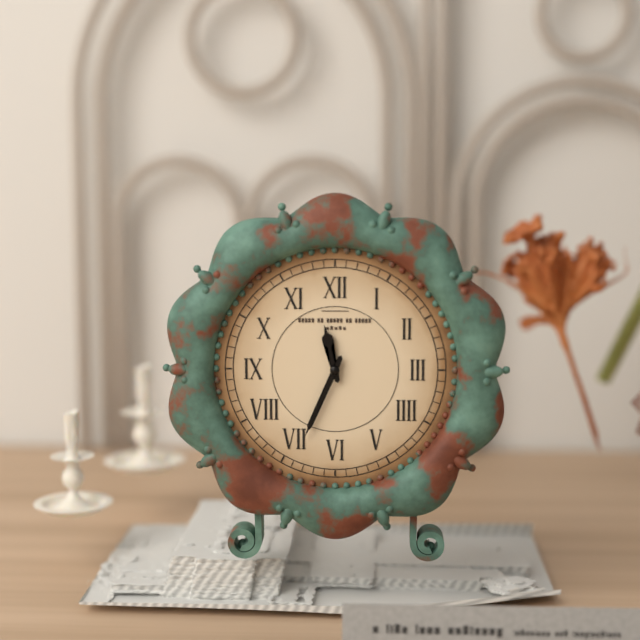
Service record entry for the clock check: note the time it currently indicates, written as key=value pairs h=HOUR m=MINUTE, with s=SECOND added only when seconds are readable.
h=11 m=34
